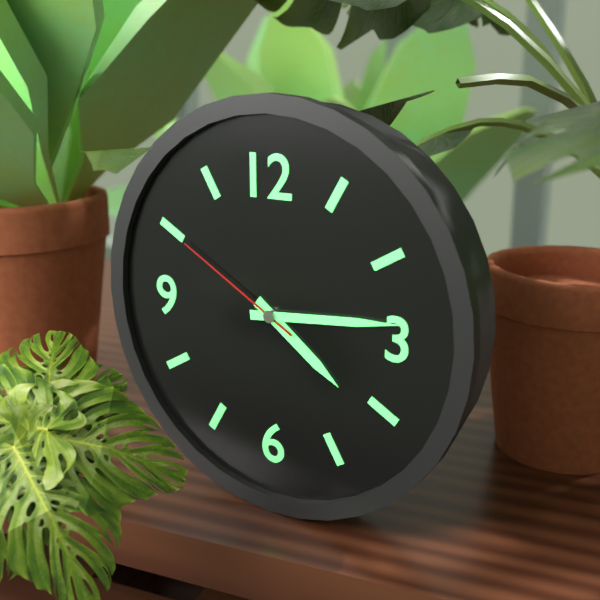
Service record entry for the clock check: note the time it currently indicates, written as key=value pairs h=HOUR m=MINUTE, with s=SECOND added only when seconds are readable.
h=4 m=14 s=50
